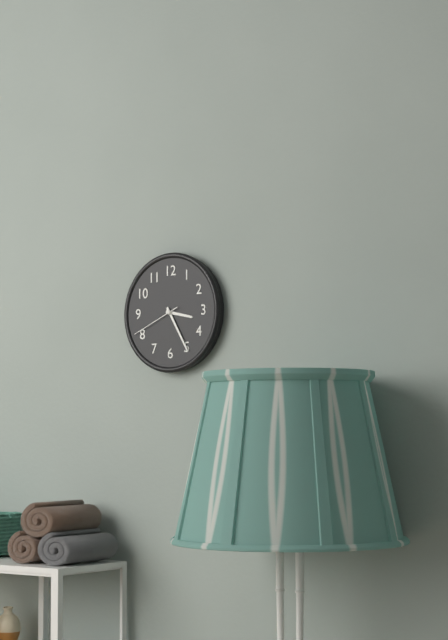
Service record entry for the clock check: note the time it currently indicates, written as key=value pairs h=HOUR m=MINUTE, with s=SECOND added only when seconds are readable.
h=3 m=25 s=41
